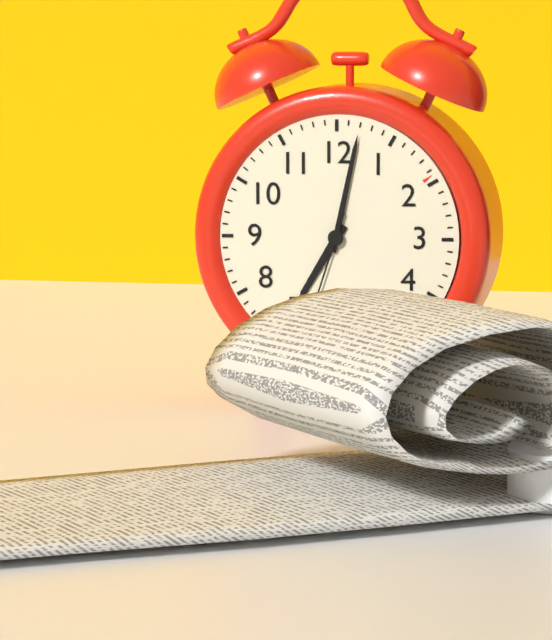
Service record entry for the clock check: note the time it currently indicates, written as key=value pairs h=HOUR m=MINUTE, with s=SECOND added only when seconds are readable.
h=7 m=2
